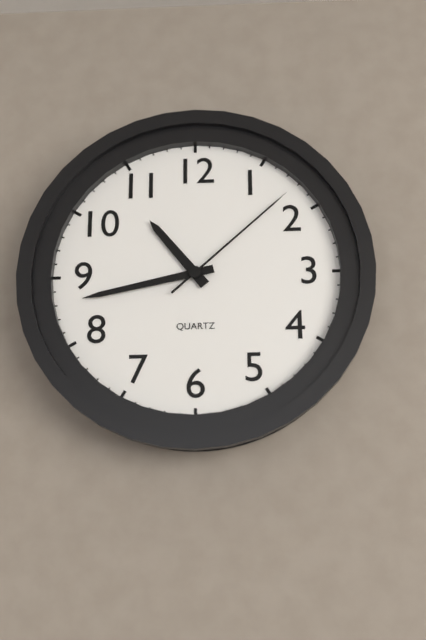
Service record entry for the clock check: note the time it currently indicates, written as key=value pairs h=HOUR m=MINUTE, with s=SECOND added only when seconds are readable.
h=10 m=43 s=8
